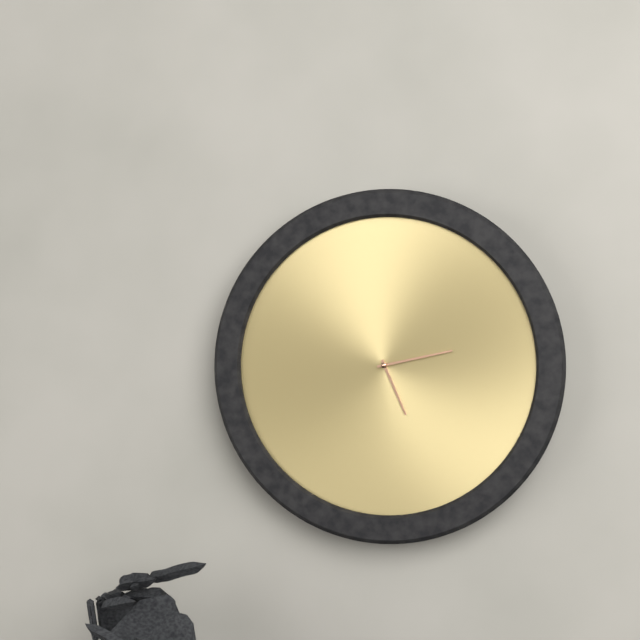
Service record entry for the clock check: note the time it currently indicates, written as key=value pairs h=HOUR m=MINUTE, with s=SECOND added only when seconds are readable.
h=5 m=13
